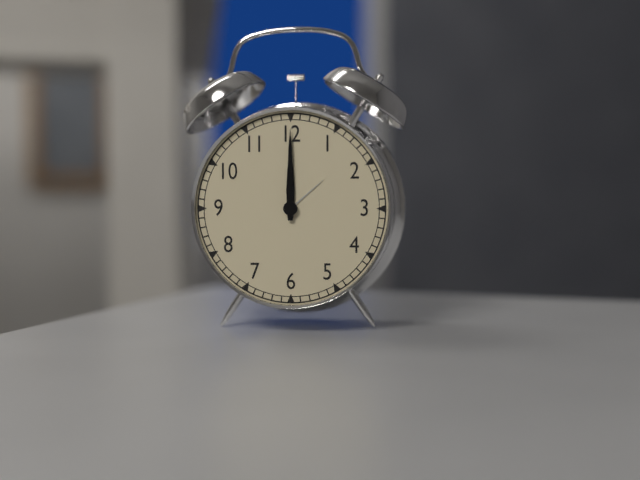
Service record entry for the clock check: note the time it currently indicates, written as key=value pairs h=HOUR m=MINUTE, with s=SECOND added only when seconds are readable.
h=12 m=0
